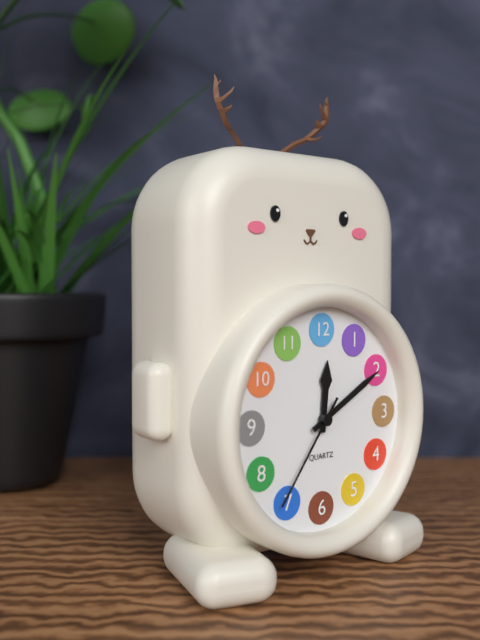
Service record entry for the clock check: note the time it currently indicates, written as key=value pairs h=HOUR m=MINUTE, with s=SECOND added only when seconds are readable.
h=12 m=10 s=36
